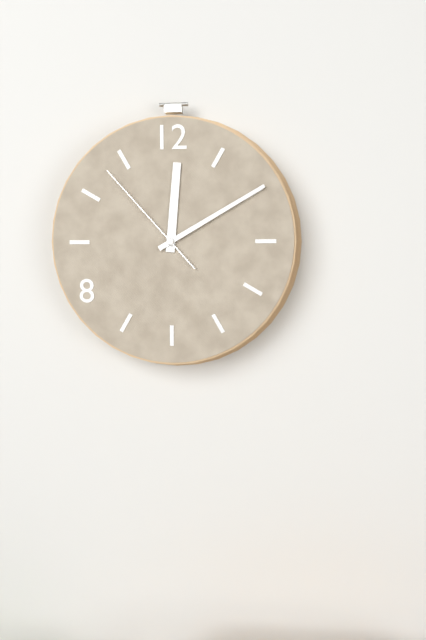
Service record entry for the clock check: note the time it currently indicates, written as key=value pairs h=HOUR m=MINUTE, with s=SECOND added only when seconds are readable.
h=12 m=10 s=53
